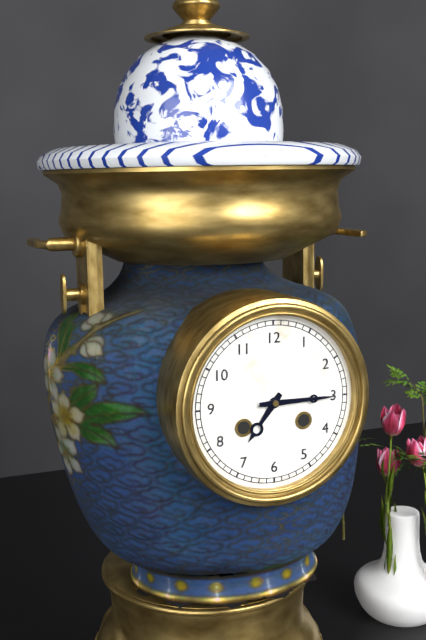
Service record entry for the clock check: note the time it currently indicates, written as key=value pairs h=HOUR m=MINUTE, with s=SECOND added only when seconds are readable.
h=7 m=15
